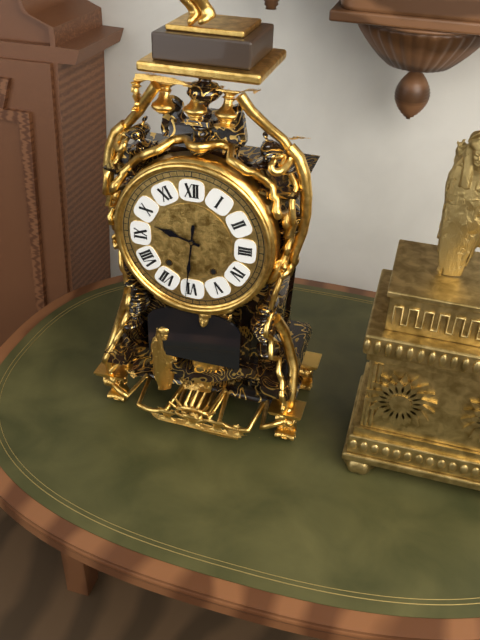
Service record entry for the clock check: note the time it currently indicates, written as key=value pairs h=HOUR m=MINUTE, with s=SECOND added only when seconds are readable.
h=9 m=31
